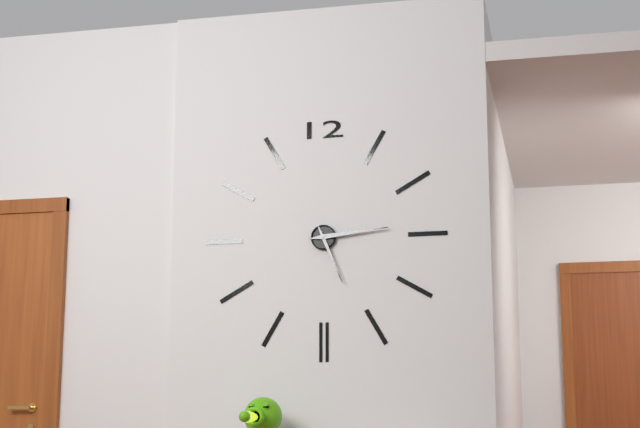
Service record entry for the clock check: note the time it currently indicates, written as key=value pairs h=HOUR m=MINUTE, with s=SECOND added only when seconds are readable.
h=5 m=14
